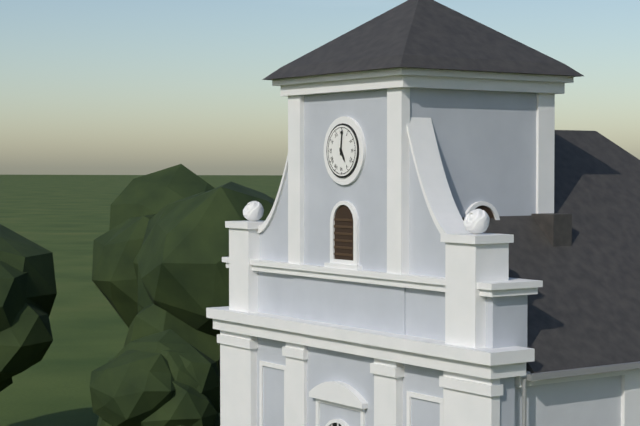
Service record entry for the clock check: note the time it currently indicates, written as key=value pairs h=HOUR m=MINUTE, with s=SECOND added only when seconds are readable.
h=5 m=1
